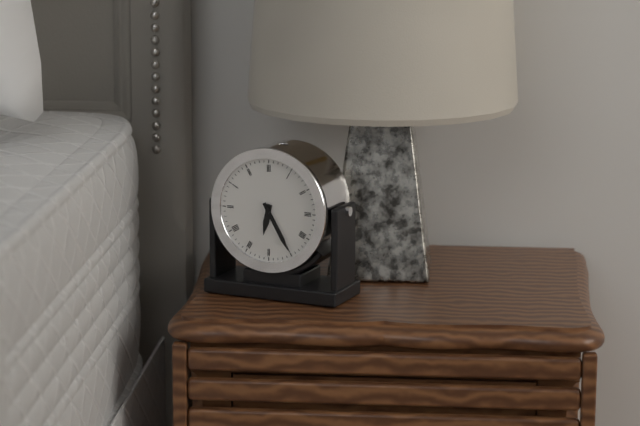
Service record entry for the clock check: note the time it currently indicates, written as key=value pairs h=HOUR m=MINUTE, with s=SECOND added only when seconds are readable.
h=6 m=25
